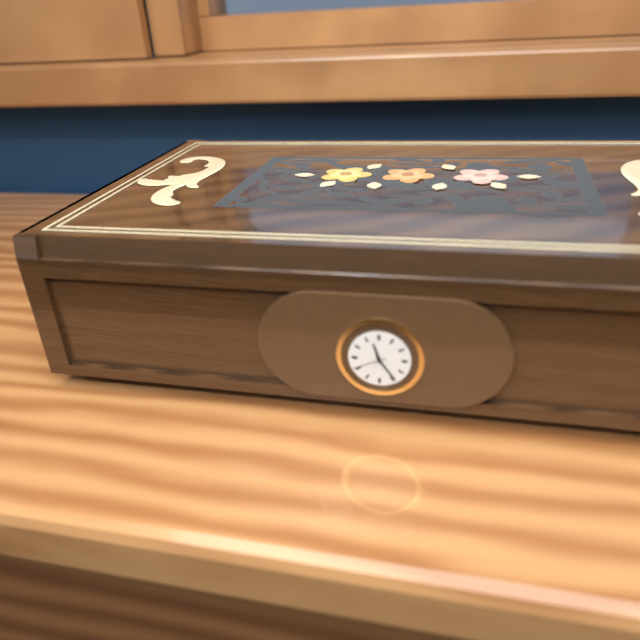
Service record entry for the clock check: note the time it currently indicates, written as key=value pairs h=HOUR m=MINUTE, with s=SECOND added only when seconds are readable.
h=11 m=24 s=41
